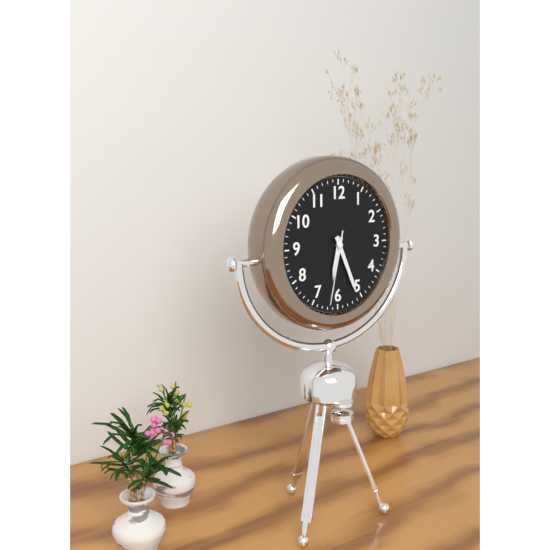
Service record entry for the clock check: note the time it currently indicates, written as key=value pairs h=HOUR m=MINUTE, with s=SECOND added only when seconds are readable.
h=6 m=26 s=32
